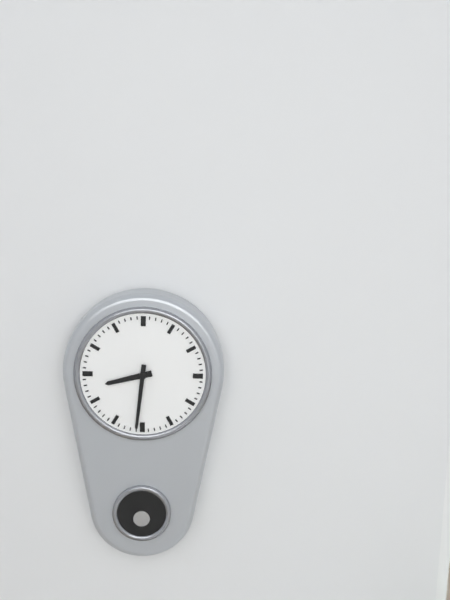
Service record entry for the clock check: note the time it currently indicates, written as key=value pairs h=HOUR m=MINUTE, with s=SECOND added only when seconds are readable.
h=8 m=31
